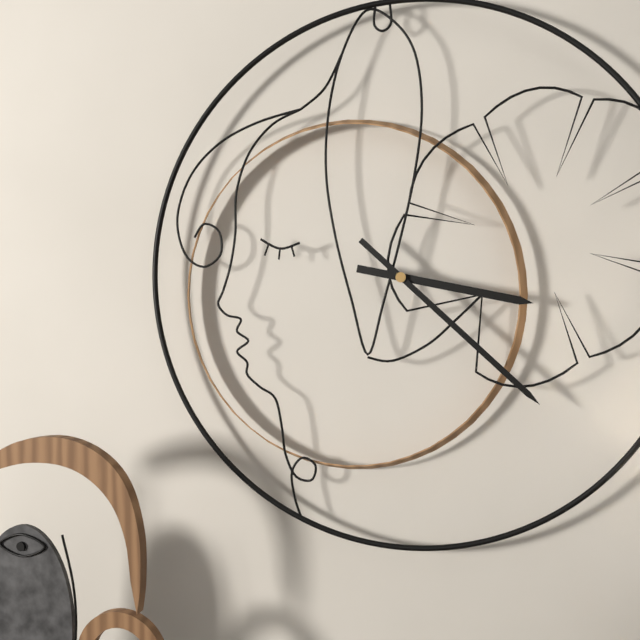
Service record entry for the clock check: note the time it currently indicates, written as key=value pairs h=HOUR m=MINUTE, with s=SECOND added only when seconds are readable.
h=3 m=22
